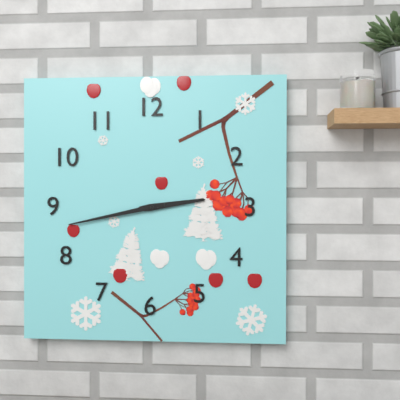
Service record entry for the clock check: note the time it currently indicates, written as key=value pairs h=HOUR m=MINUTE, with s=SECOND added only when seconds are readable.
h=2 m=43
